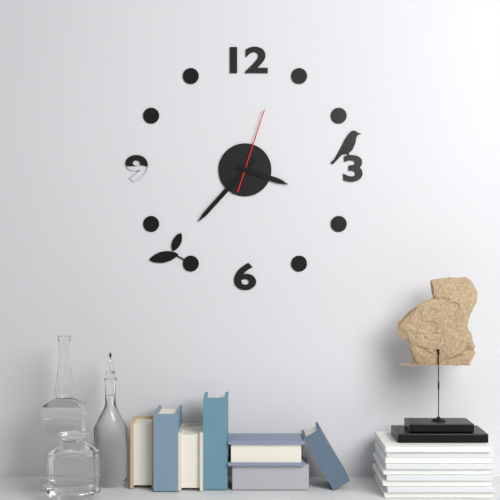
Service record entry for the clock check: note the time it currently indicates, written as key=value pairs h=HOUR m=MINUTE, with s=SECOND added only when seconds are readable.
h=3 m=37 s=3
